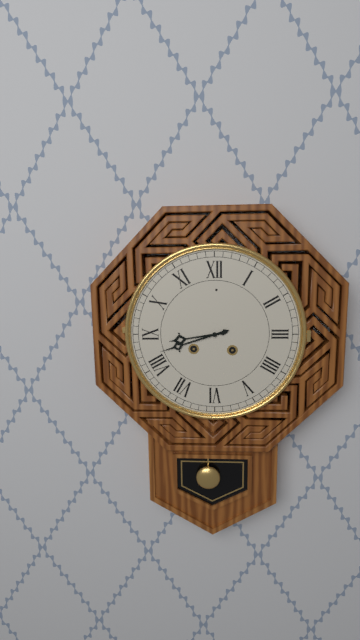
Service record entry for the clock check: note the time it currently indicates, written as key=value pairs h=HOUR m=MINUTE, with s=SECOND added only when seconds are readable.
h=8 m=42
